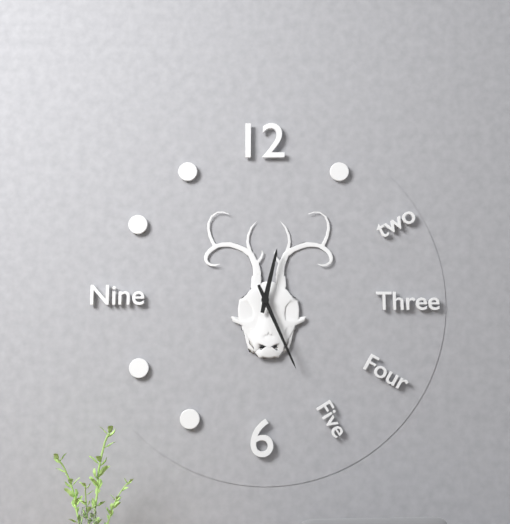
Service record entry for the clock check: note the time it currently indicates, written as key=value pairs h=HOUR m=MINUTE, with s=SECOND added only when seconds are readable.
h=12 m=26
